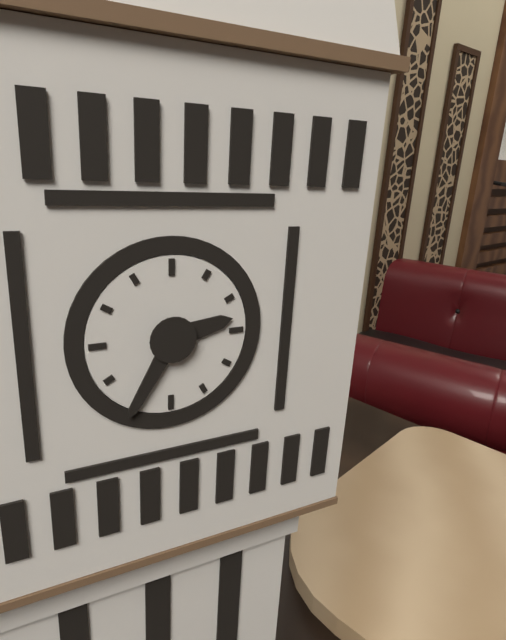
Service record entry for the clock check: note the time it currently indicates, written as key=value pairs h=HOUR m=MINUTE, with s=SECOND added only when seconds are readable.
h=2 m=35
